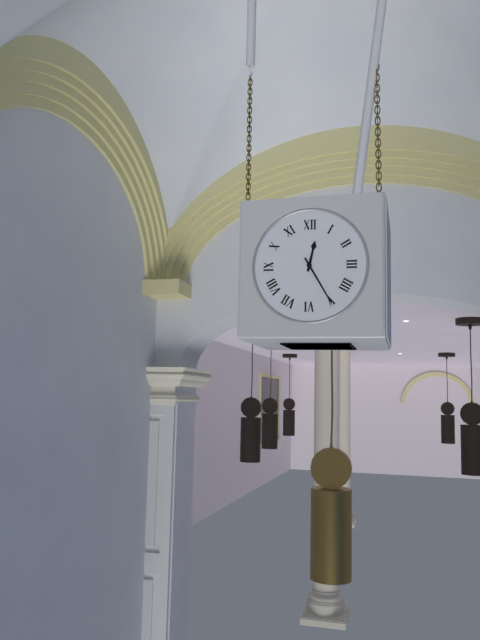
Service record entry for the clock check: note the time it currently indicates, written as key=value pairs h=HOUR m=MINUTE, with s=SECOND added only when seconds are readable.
h=12 m=25
